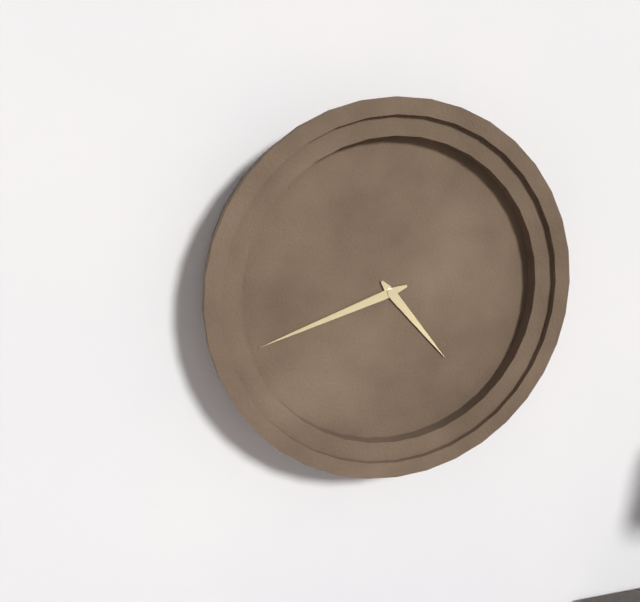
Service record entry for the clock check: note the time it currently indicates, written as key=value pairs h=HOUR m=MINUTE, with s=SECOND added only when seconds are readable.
h=4 m=42
